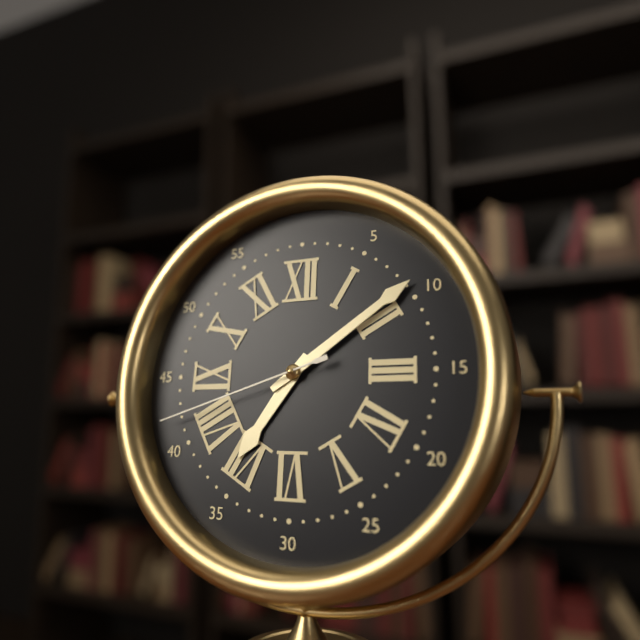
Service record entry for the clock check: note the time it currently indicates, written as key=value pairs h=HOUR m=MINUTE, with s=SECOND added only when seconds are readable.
h=7 m=9 s=42
